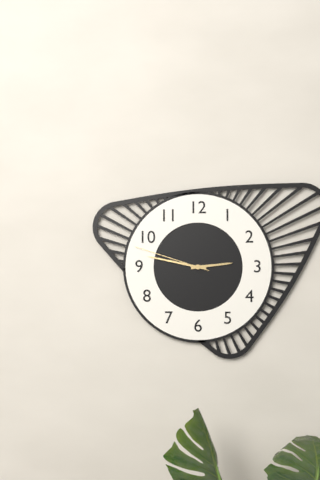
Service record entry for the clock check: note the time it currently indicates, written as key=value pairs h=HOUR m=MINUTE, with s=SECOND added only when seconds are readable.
h=2 m=47 s=48
